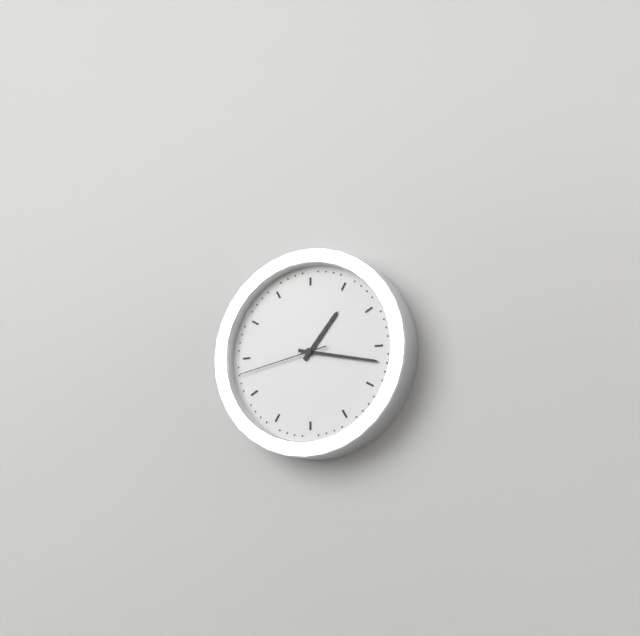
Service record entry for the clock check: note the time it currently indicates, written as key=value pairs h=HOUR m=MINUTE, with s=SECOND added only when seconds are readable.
h=1 m=17 s=43
